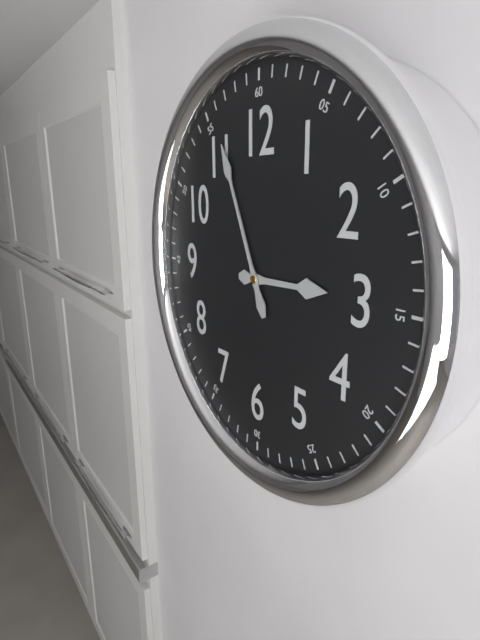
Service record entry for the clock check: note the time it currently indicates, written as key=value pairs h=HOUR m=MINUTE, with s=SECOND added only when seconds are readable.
h=2 m=56
